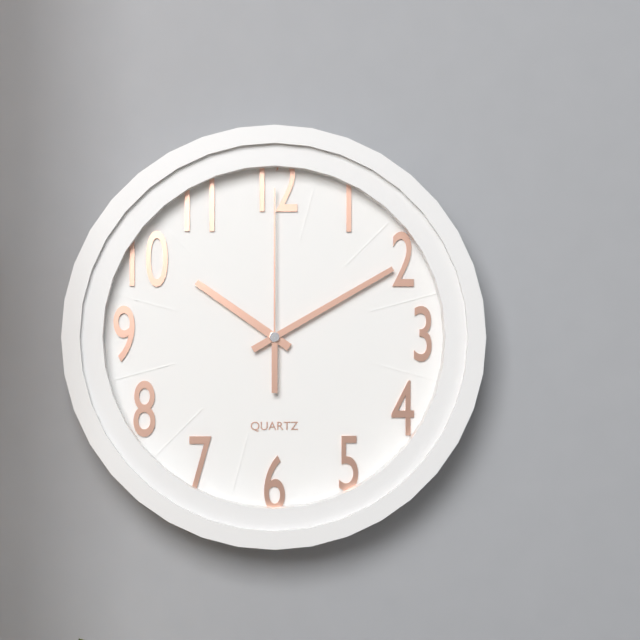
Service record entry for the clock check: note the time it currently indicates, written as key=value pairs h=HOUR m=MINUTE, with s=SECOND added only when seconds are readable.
h=10 m=10 s=0
